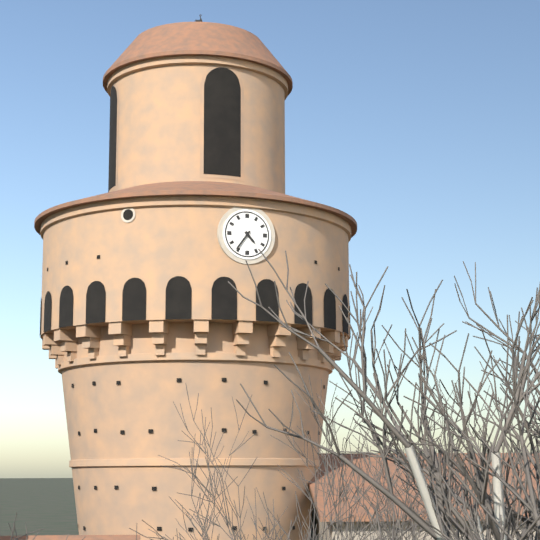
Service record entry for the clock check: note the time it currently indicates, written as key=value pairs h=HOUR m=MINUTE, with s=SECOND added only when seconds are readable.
h=4 m=36
